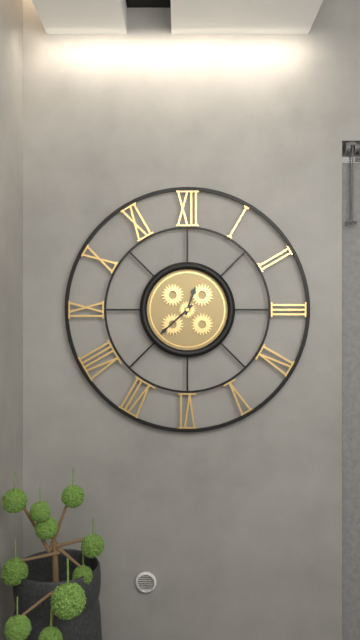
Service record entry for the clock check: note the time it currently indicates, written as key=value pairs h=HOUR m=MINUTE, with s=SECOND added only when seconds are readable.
h=12 m=38
